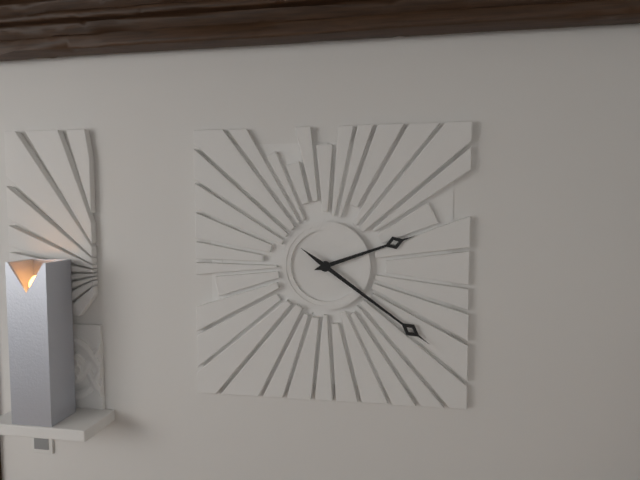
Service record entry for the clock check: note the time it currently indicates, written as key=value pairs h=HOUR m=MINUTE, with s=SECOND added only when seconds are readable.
h=2 m=21
